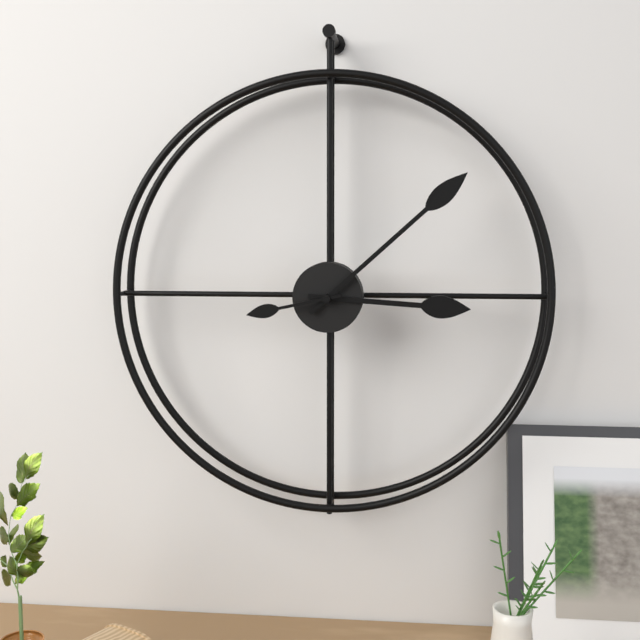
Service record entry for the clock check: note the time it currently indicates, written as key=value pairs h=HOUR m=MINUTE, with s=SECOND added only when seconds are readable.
h=3 m=8 s=43
